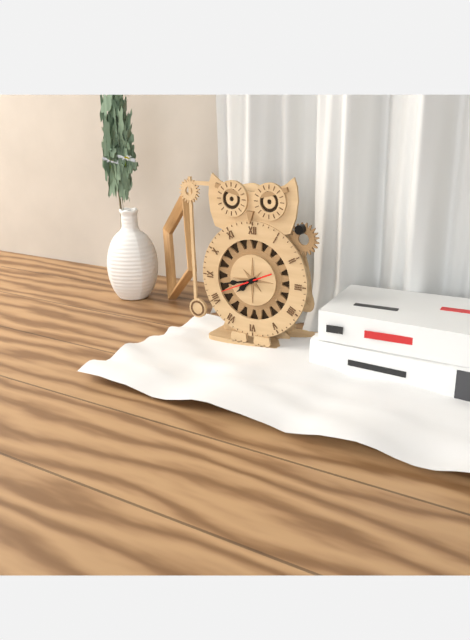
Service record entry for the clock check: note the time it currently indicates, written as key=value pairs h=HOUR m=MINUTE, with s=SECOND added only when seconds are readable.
h=7 m=43 s=41
